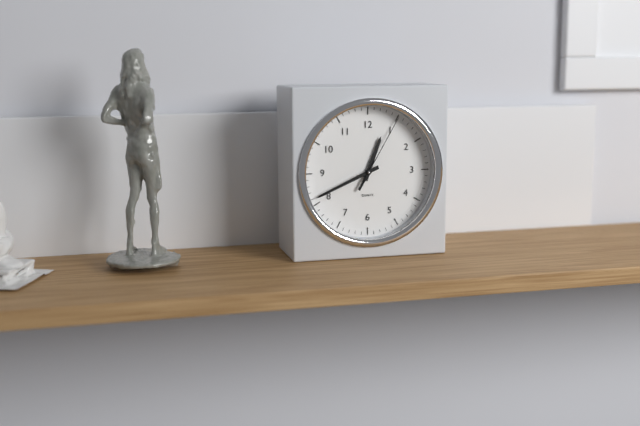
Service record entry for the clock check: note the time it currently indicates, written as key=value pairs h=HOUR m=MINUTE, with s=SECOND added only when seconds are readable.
h=12 m=41 s=5
